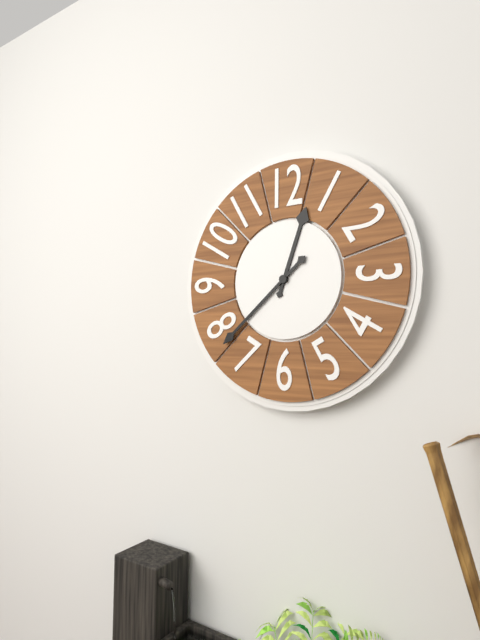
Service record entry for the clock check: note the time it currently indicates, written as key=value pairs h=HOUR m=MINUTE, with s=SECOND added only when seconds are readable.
h=12 m=38
